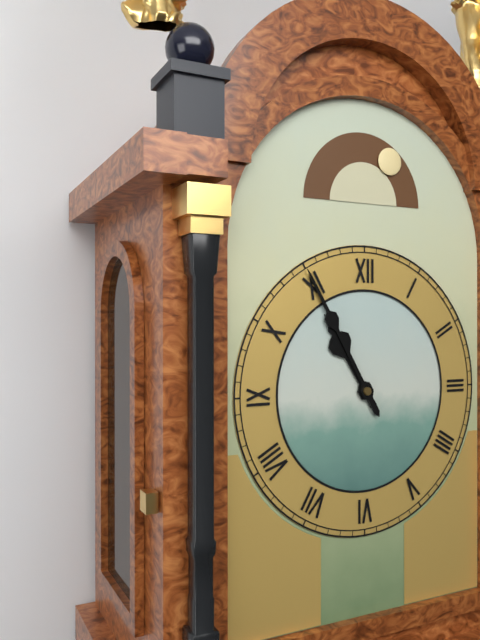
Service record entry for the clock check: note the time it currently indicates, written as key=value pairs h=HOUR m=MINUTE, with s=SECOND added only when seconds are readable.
h=10 m=55
